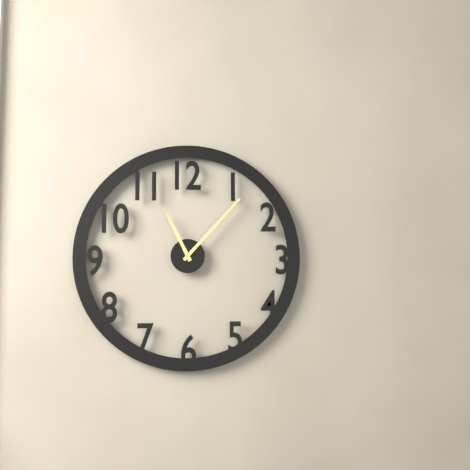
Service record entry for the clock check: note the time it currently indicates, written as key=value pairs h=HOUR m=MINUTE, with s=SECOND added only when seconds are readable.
h=11 m=7
